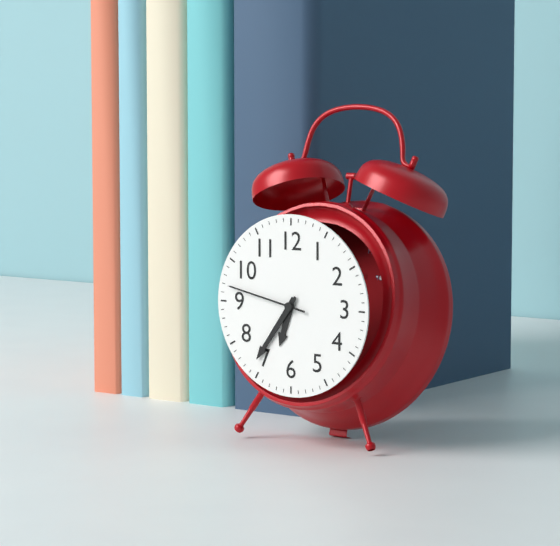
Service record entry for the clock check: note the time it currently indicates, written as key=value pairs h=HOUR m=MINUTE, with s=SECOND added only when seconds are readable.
h=6 m=36 s=47
